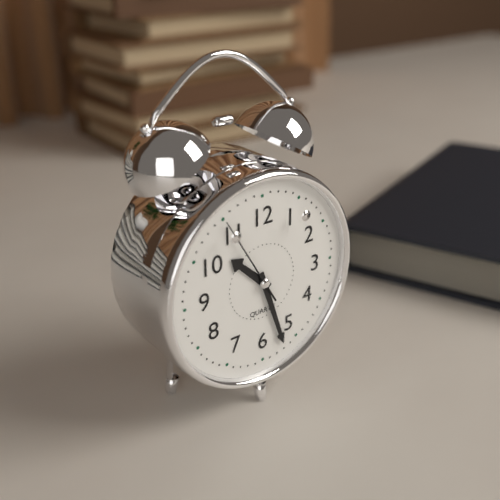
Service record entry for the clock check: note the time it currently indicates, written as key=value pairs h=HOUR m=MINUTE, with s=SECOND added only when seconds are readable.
h=10 m=27 s=55
